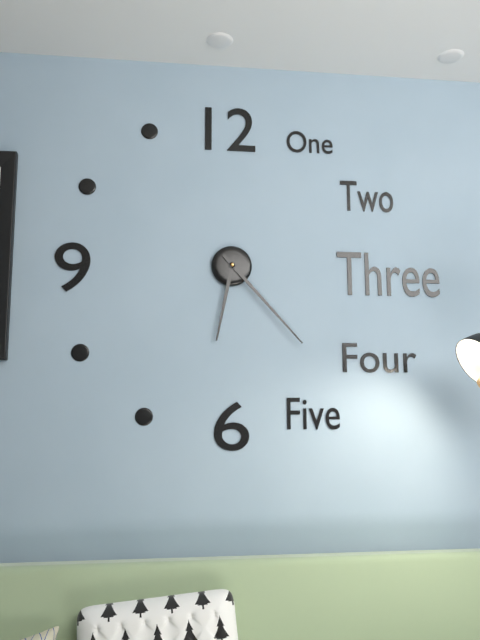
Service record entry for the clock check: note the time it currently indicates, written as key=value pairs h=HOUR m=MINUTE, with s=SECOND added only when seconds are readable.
h=6 m=23
